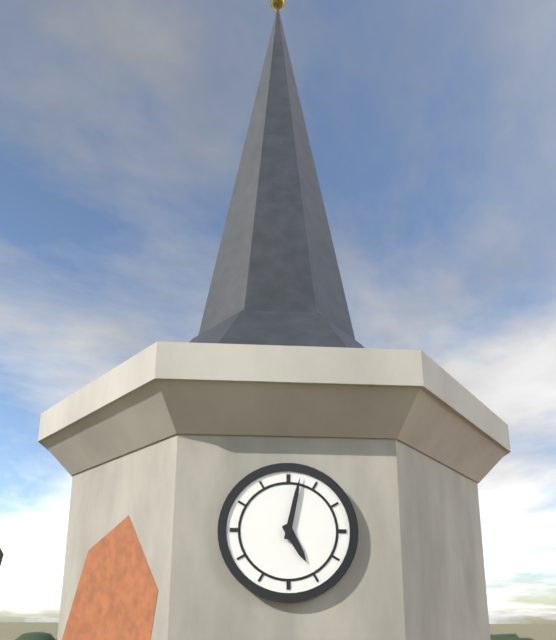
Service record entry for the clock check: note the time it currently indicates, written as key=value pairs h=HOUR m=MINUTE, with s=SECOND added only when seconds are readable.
h=5 m=2
